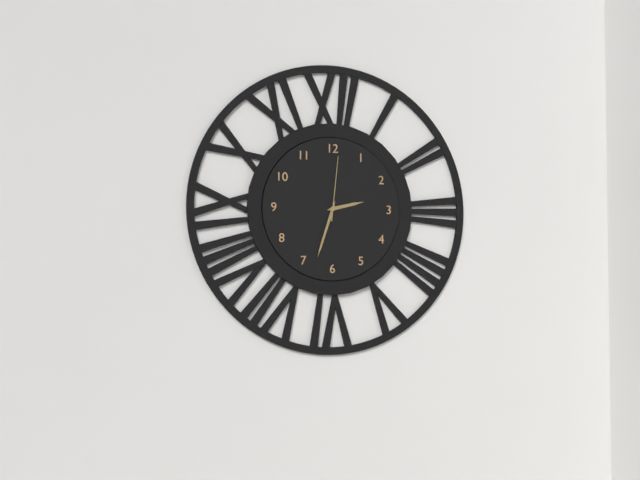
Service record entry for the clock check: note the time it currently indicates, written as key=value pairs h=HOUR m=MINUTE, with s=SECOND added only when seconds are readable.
h=2 m=33 s=1
